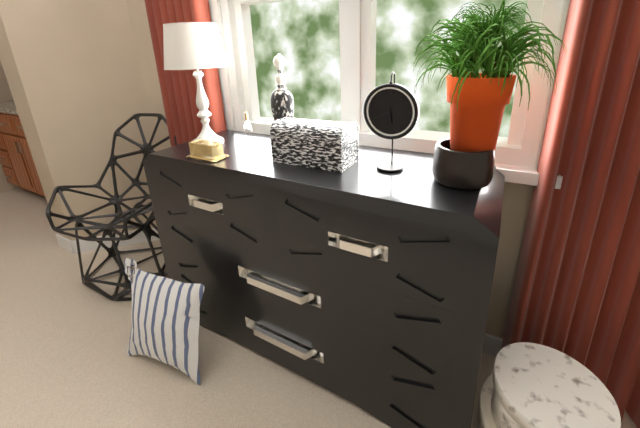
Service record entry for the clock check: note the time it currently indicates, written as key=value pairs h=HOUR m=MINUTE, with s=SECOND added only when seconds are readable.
h=5 m=41
